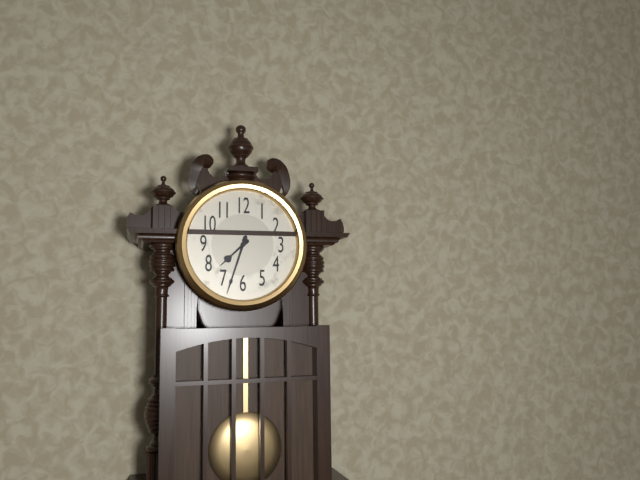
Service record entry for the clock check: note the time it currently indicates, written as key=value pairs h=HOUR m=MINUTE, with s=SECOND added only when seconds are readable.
h=7 m=33
